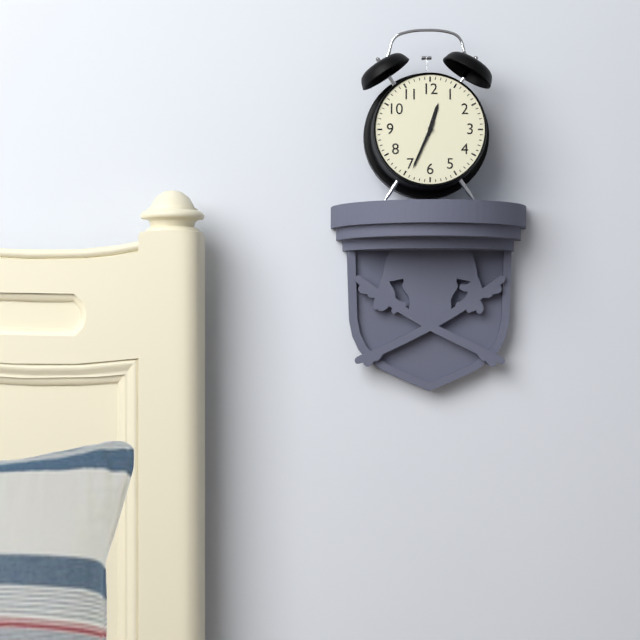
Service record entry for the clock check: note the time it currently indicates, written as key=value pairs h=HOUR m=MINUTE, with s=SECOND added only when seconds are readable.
h=12 m=34
